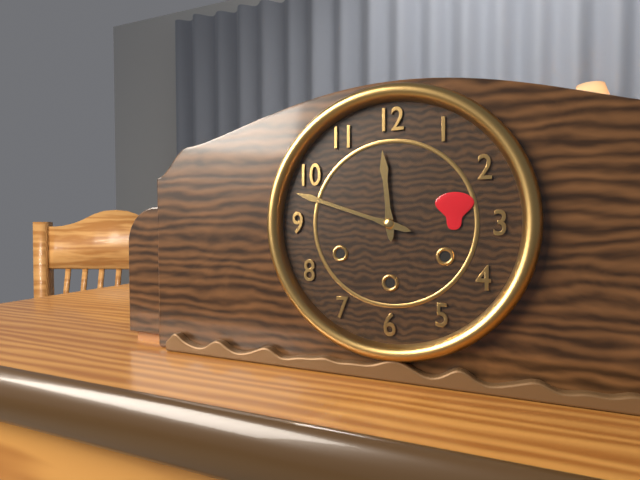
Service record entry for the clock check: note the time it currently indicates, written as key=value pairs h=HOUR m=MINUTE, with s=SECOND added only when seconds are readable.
h=11 m=48
